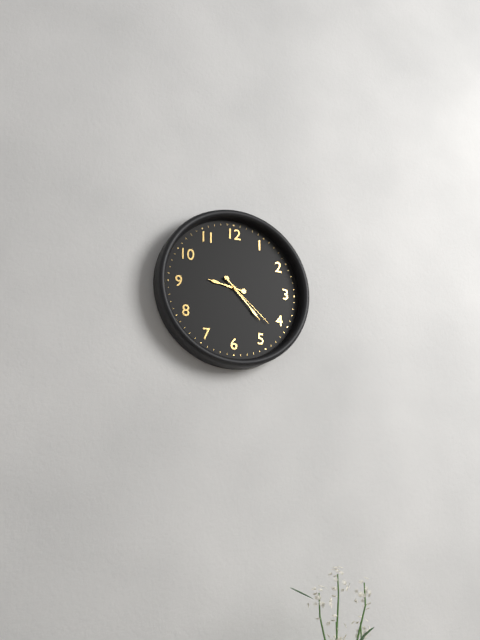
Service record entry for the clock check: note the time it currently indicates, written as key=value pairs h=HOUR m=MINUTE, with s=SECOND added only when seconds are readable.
h=9 m=23 s=22
